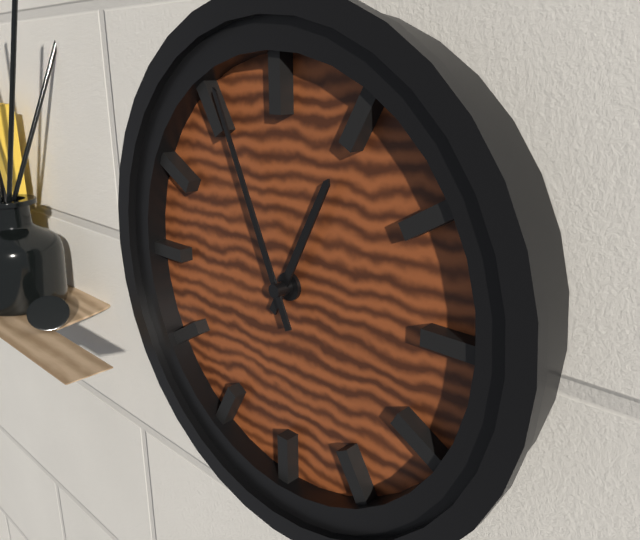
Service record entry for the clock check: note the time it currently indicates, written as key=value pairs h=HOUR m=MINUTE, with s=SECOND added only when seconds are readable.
h=12 m=56
